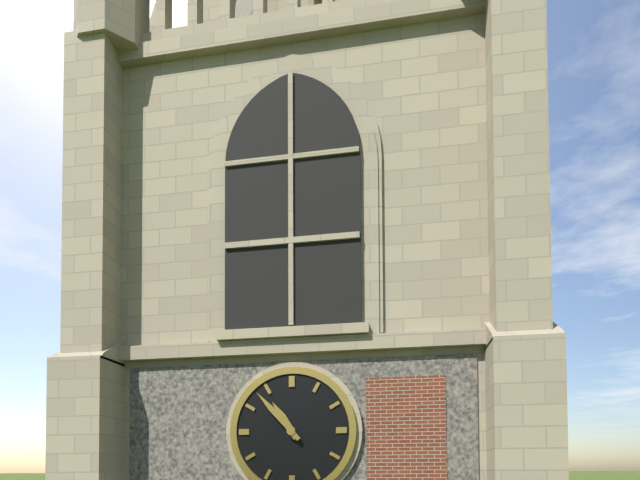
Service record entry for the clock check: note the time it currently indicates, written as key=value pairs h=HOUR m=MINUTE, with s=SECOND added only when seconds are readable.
h=10 m=53
